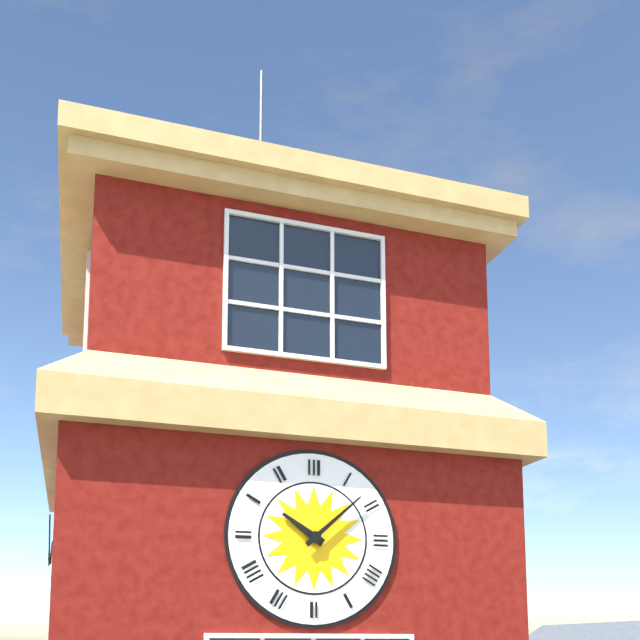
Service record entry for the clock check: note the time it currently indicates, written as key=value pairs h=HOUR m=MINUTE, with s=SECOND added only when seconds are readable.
h=10 m=8
